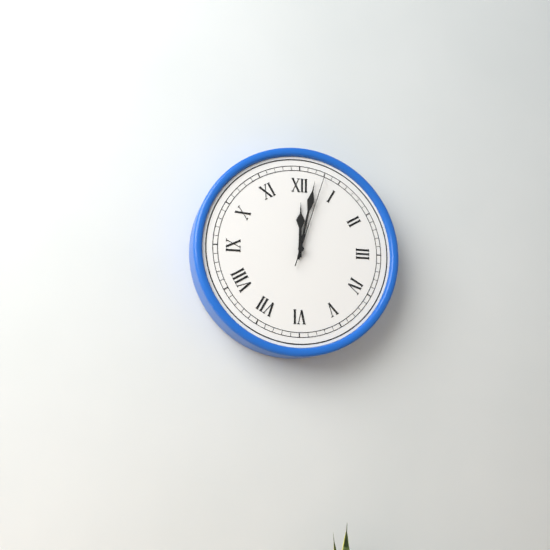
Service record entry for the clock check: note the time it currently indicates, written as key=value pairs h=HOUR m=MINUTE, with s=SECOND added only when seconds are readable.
h=12 m=2 s=3
